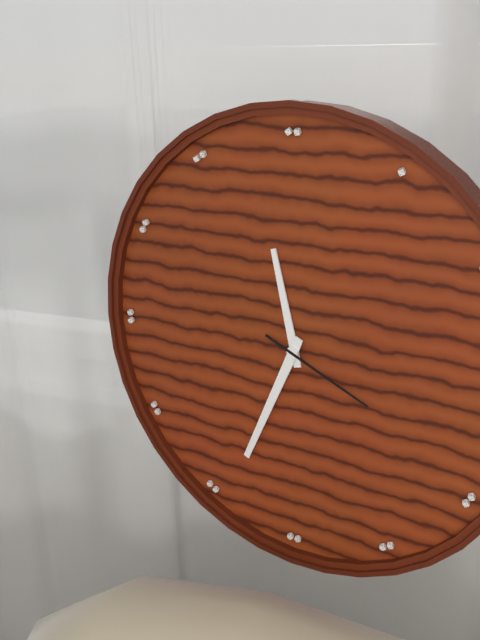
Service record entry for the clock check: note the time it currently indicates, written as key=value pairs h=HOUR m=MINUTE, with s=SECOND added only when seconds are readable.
h=11 m=34 s=19
